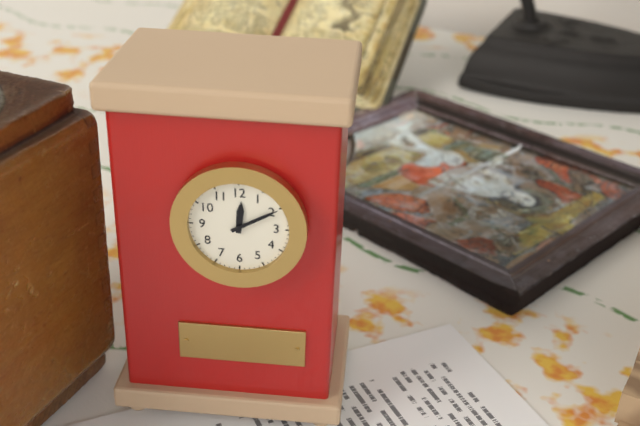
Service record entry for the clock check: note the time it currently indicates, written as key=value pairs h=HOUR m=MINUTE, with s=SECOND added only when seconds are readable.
h=12 m=10
